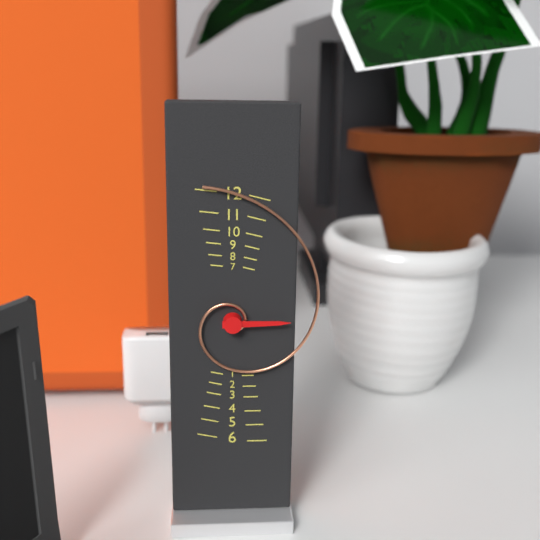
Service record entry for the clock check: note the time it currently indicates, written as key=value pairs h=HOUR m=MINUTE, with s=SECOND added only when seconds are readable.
h=2 m=58
